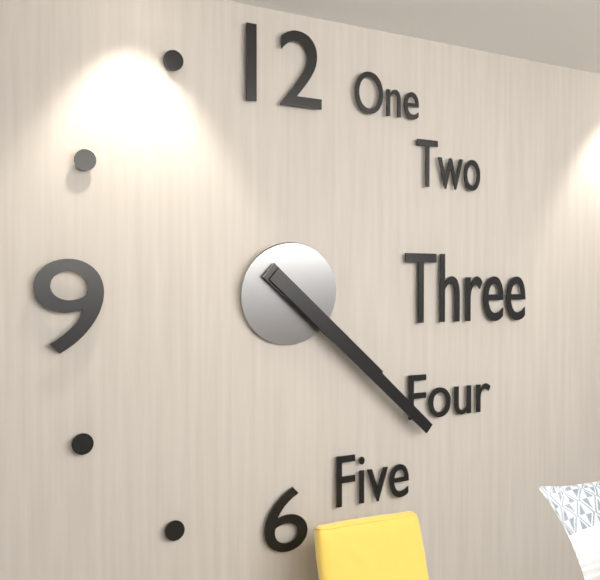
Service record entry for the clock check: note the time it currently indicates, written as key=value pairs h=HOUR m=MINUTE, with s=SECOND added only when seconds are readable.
h=4 m=22
